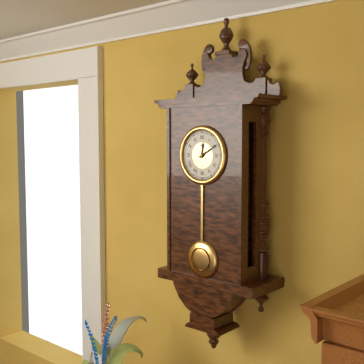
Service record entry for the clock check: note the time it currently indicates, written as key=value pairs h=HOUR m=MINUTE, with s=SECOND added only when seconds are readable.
h=12 m=10
